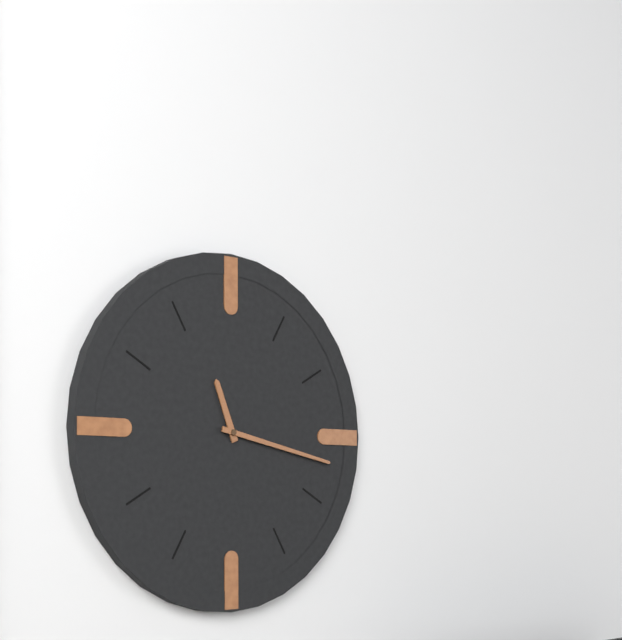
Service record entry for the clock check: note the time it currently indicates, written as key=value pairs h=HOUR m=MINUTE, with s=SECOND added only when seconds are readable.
h=11 m=17
